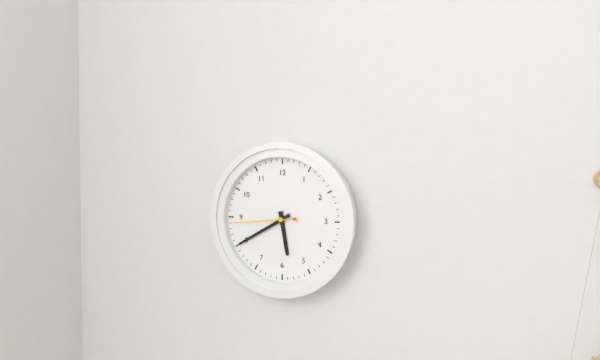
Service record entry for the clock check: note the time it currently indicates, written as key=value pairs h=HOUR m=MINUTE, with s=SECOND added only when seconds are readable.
h=5 m=40 s=44
